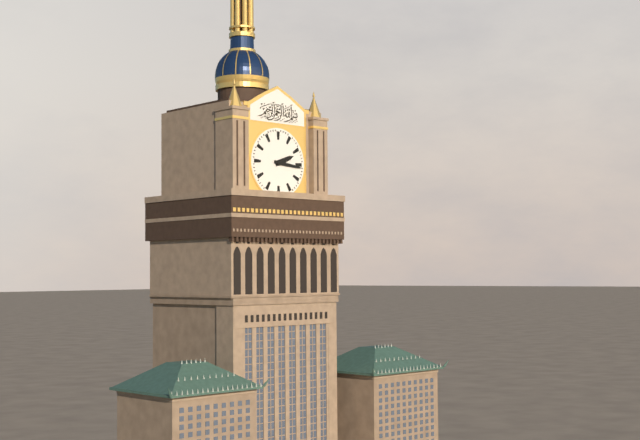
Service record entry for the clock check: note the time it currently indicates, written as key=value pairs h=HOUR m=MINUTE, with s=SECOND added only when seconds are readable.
h=2 m=16
